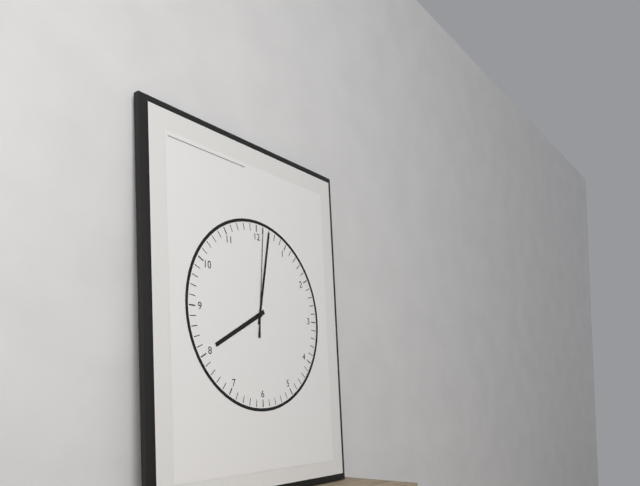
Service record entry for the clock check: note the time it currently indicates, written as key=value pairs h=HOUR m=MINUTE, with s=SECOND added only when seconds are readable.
h=8 m=2 s=1
